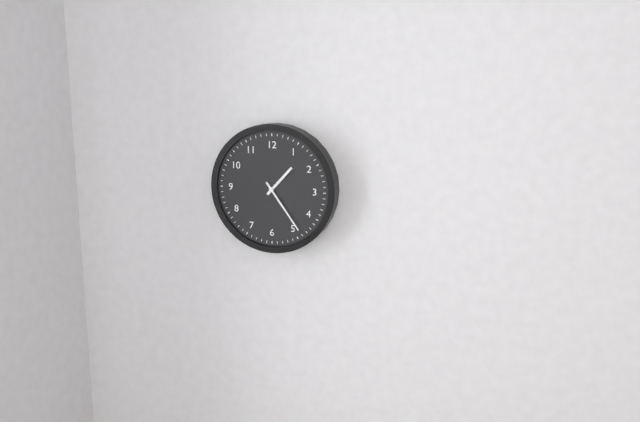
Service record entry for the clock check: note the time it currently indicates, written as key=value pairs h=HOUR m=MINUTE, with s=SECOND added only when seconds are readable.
h=1 m=24
